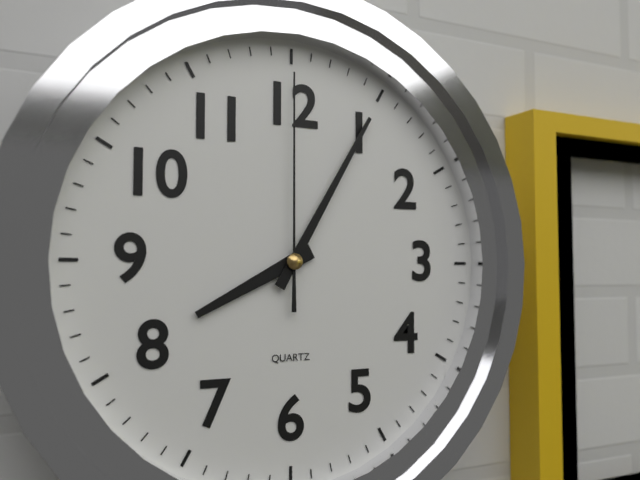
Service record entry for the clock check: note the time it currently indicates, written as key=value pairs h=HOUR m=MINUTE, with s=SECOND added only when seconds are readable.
h=8 m=5 s=0
